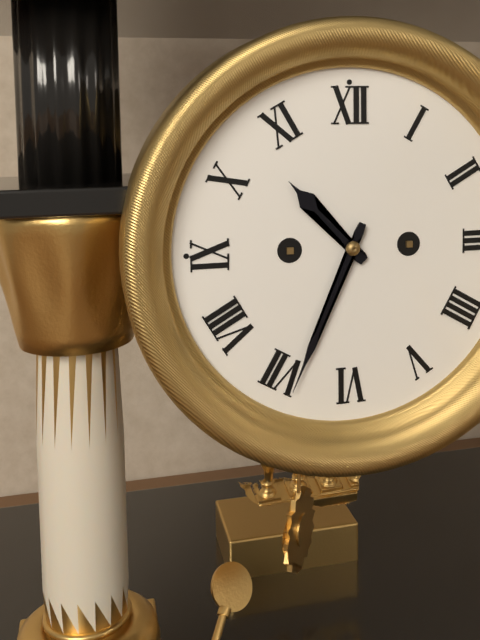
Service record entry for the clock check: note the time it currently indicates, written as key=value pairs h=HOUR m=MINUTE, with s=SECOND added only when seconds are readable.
h=10 m=34
